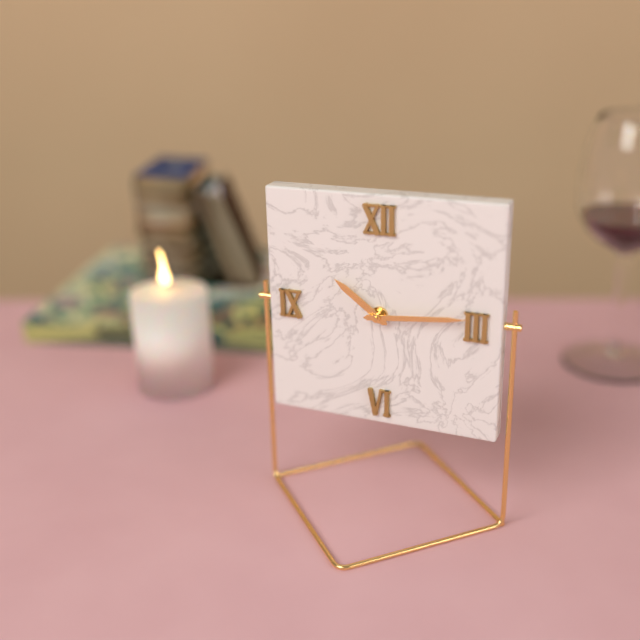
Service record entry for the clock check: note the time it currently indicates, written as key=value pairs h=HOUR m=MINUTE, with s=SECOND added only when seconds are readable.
h=10 m=14
